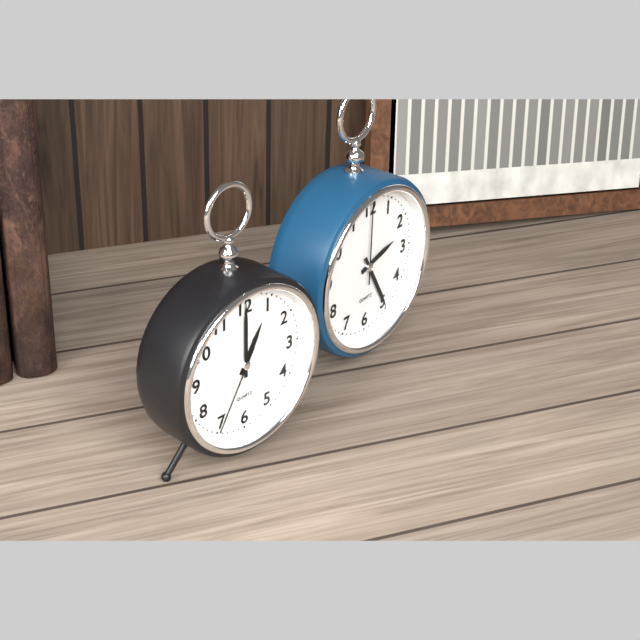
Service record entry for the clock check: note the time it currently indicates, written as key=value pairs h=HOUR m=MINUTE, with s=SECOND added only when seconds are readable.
h=1 m=0 s=35
